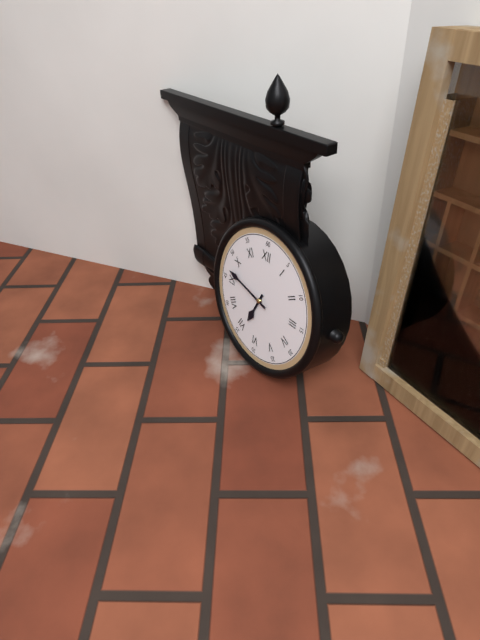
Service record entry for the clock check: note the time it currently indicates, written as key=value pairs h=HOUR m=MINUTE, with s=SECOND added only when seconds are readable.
h=6 m=47
